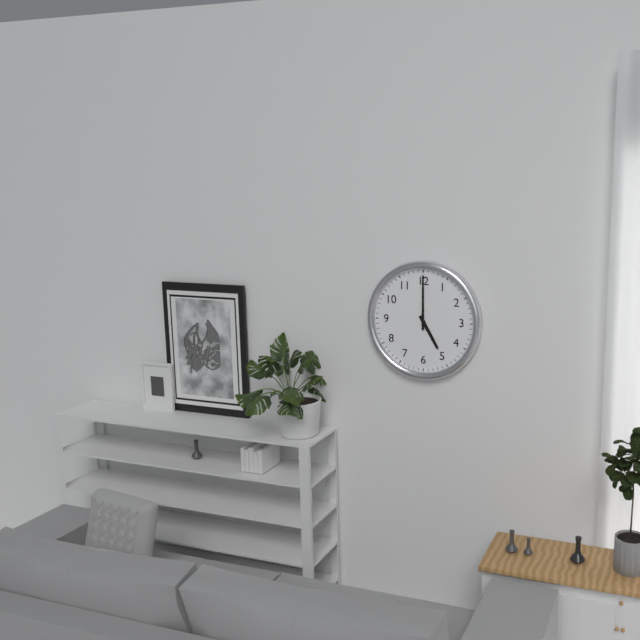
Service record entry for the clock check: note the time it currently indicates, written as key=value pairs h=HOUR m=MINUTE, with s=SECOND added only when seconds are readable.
h=5 m=0
